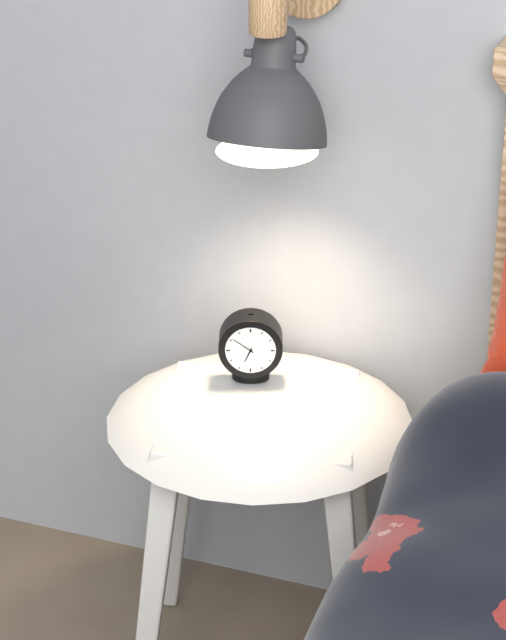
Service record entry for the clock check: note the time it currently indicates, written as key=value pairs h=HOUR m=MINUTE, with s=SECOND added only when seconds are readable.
h=6 m=51
